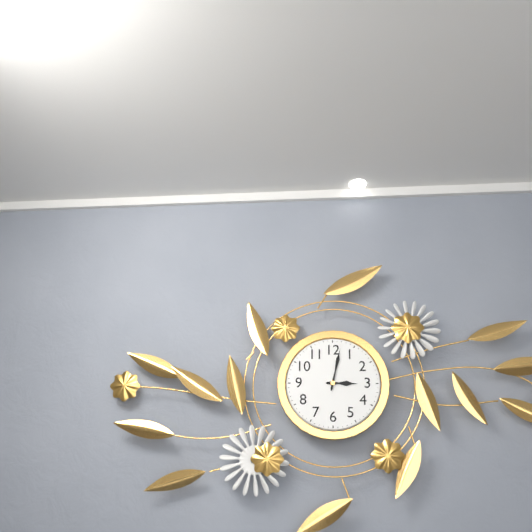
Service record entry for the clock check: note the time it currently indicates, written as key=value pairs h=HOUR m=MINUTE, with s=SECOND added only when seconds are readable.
h=3 m=2
